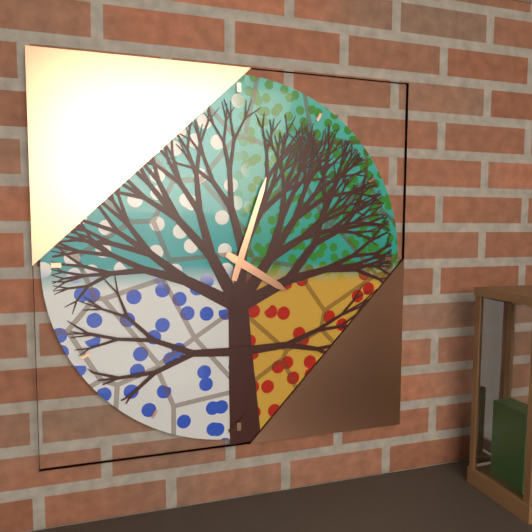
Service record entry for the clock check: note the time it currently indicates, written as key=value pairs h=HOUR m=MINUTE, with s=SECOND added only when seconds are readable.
h=4 m=3
